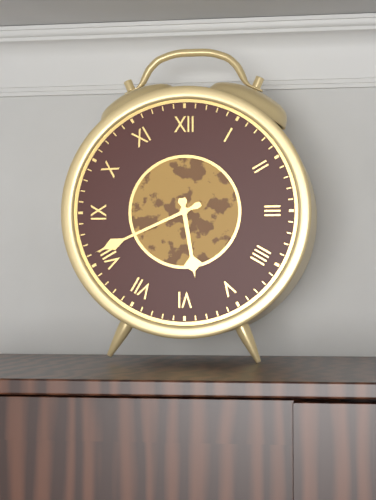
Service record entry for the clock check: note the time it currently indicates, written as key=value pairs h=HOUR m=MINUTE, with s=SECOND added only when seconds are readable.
h=5 m=41
